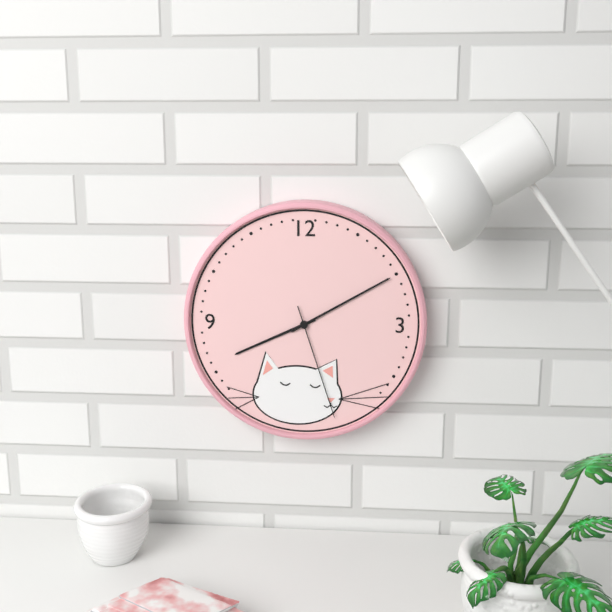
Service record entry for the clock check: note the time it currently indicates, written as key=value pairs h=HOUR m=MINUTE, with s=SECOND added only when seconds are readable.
h=8 m=10 s=27
